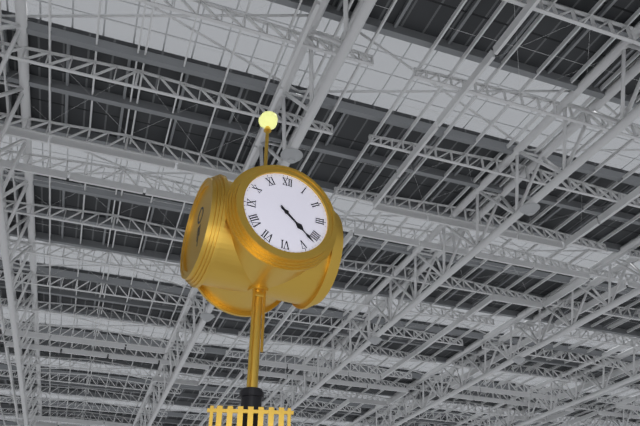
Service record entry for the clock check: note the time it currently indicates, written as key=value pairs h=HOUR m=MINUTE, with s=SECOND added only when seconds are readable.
h=4 m=22
